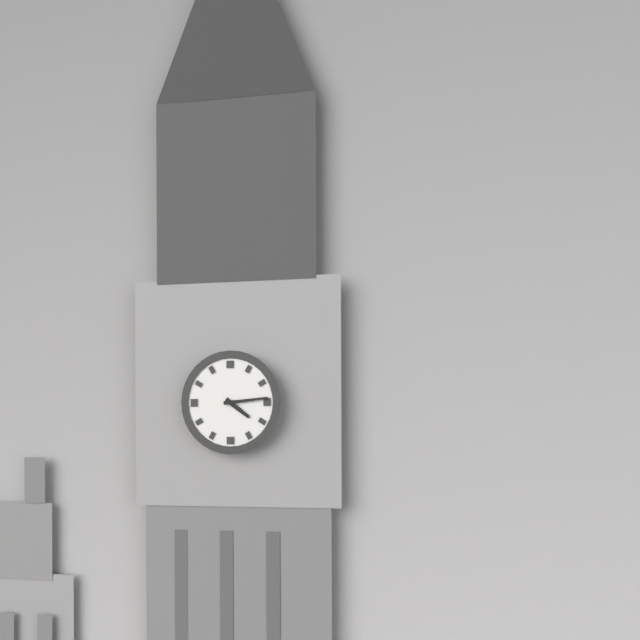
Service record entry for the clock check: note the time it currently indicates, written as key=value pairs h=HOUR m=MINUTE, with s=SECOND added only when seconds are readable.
h=4 m=14
